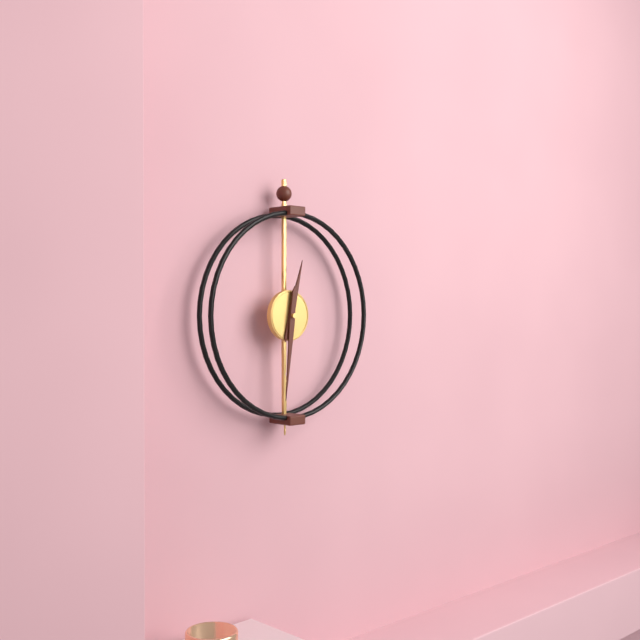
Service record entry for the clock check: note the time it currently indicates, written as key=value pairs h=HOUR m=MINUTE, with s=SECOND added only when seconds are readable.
h=12 m=31
